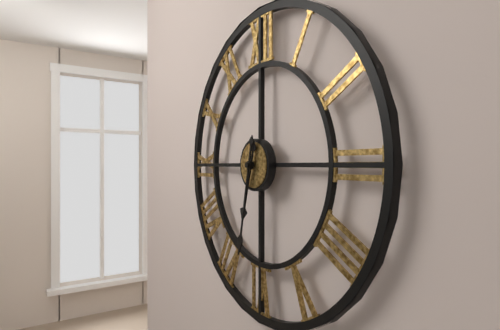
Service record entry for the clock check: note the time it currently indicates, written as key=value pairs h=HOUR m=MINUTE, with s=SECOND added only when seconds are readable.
h=6 m=32
